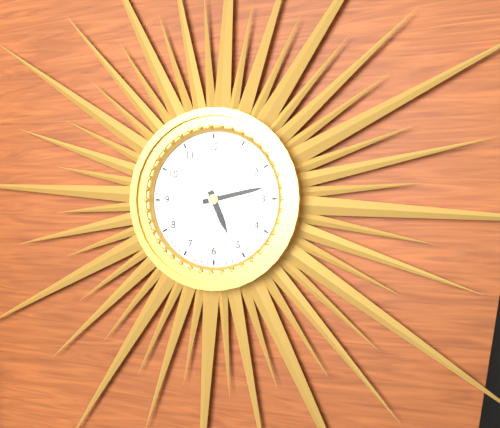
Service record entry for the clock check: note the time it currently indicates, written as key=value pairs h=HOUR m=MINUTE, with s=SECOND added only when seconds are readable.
h=5 m=13
